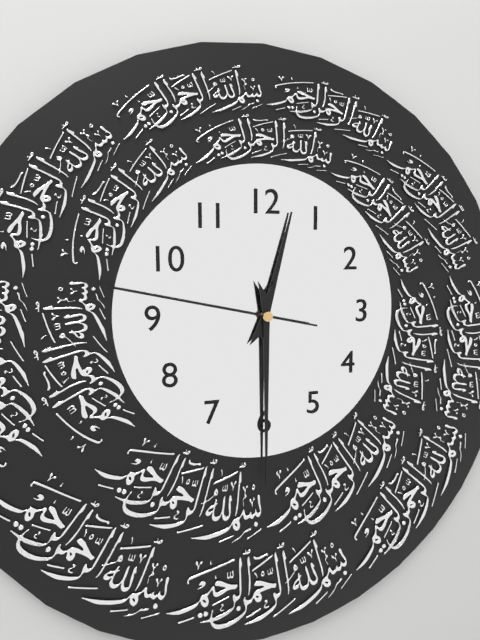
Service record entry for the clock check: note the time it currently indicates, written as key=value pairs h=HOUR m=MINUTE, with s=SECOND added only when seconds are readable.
h=12 m=30 s=47
